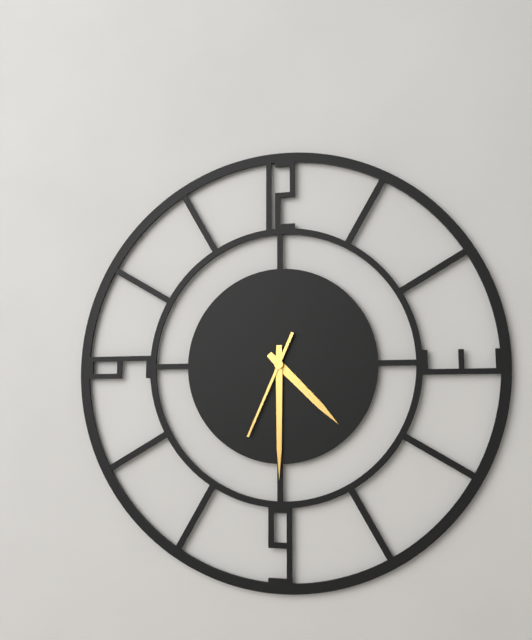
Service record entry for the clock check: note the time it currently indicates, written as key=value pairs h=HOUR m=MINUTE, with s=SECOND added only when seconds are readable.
h=4 m=30 s=34
